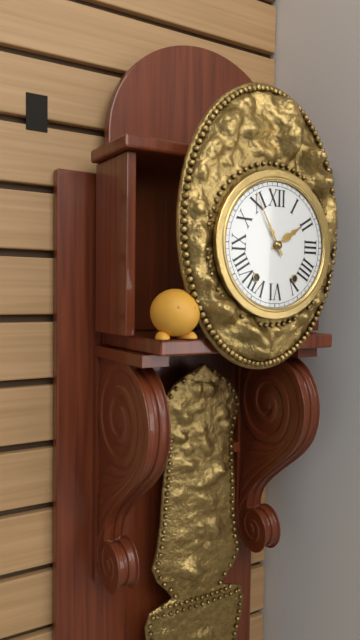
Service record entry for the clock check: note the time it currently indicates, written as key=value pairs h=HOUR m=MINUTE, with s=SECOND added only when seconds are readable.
h=1 m=55
